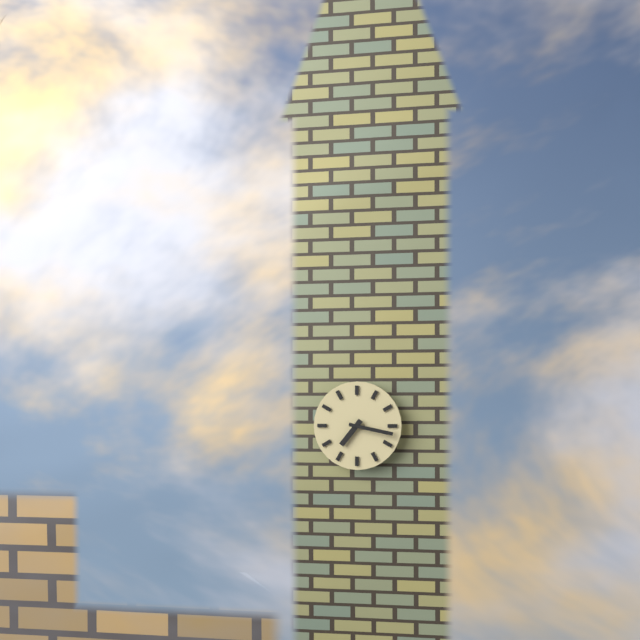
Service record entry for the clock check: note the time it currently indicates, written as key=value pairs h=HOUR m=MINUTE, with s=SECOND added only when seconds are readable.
h=7 m=17
